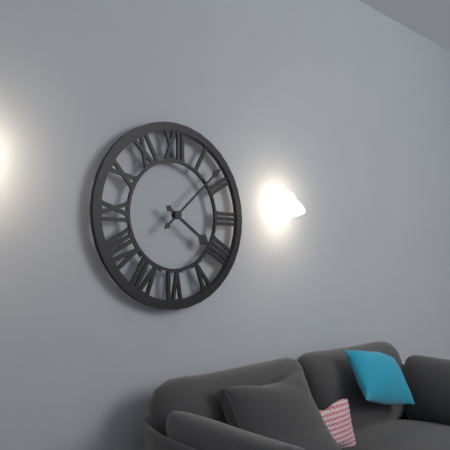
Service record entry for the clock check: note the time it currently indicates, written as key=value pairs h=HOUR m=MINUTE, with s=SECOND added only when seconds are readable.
h=4 m=8
